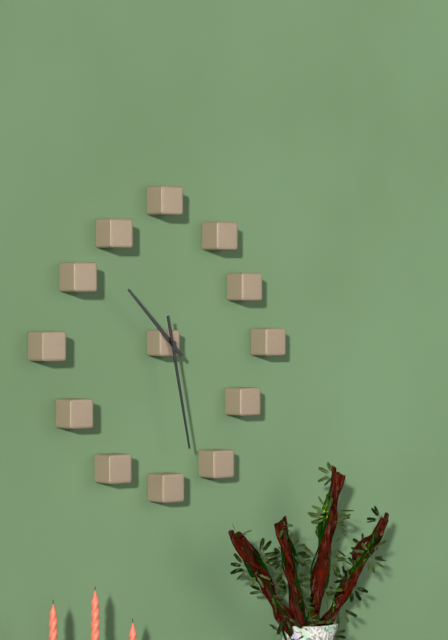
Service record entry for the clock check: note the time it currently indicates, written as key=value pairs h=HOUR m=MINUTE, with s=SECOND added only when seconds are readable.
h=10 m=28
